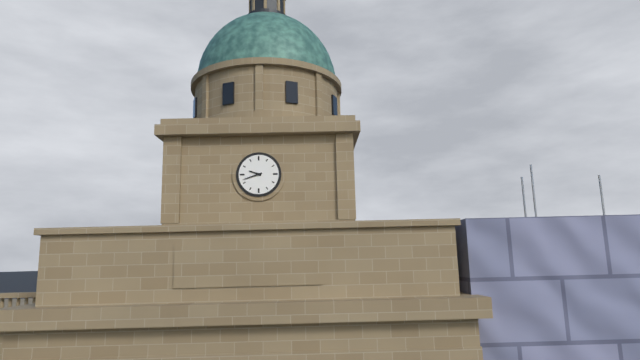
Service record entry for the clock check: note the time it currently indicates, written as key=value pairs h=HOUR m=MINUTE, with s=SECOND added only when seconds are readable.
h=9 m=42
